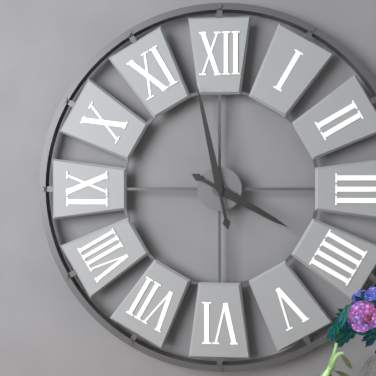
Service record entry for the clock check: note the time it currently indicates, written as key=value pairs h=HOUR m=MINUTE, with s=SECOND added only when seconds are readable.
h=3 m=58
